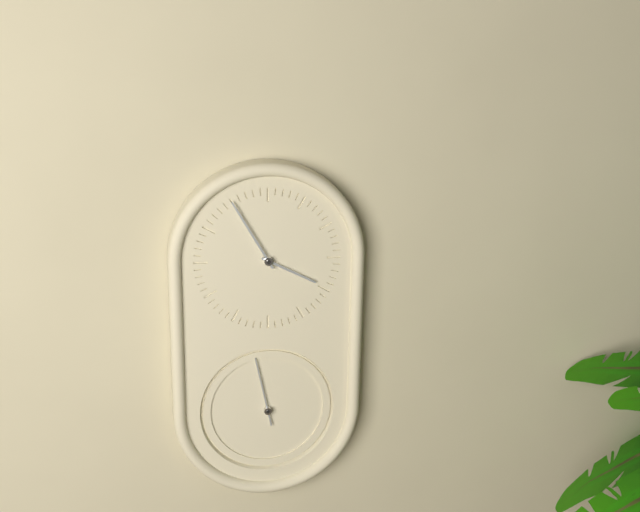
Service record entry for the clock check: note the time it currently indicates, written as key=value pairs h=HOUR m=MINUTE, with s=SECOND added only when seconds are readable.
h=3 m=55 s=58
